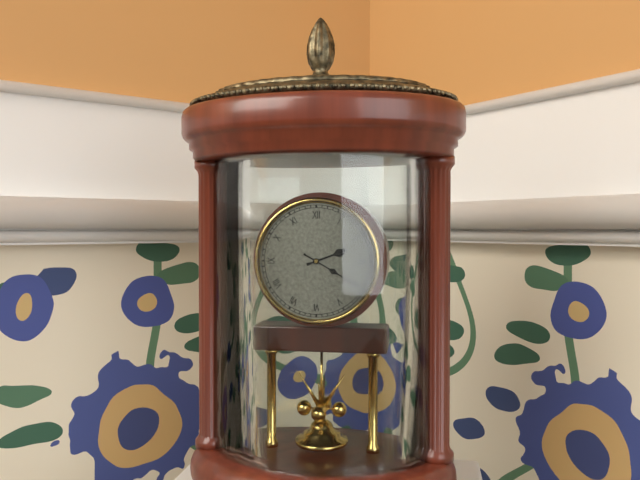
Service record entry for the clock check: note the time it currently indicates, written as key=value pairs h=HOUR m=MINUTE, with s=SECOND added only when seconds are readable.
h=2 m=20
